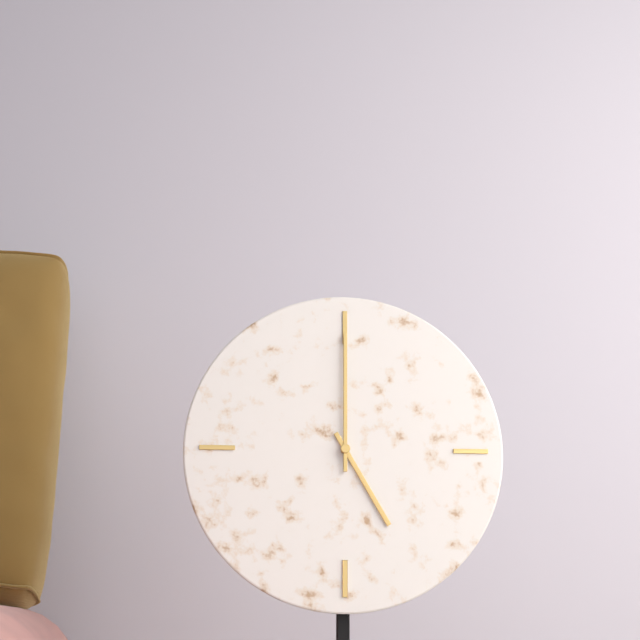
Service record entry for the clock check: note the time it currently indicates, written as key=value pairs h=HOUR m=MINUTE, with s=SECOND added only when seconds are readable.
h=5 m=0
